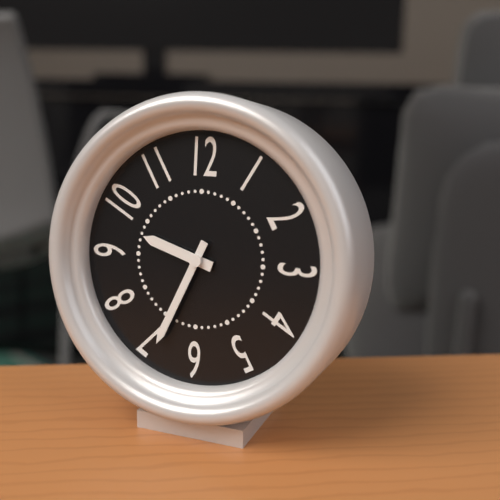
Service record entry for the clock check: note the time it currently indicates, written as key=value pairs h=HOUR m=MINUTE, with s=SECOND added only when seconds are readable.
h=9 m=34
